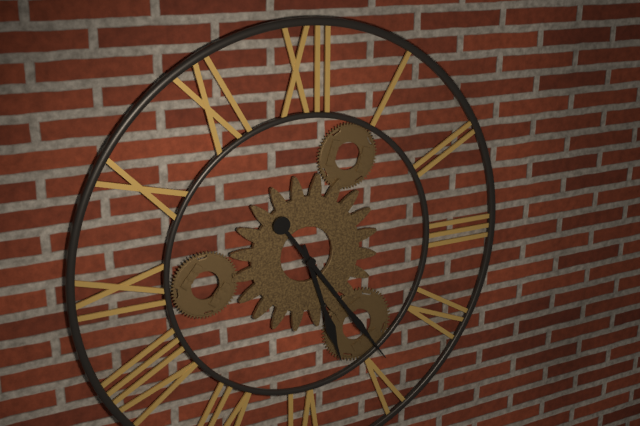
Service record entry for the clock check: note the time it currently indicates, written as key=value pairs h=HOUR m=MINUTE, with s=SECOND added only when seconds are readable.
h=5 m=24
